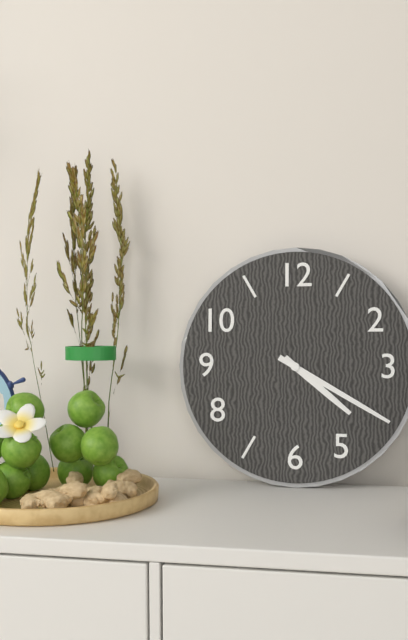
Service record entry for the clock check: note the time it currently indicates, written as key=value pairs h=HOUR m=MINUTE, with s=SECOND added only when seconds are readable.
h=4 m=20
